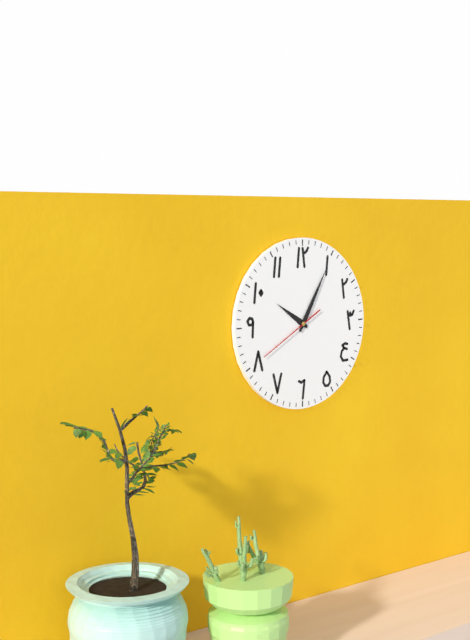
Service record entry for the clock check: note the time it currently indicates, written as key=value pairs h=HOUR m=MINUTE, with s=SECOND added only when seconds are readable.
h=10 m=5 s=40
